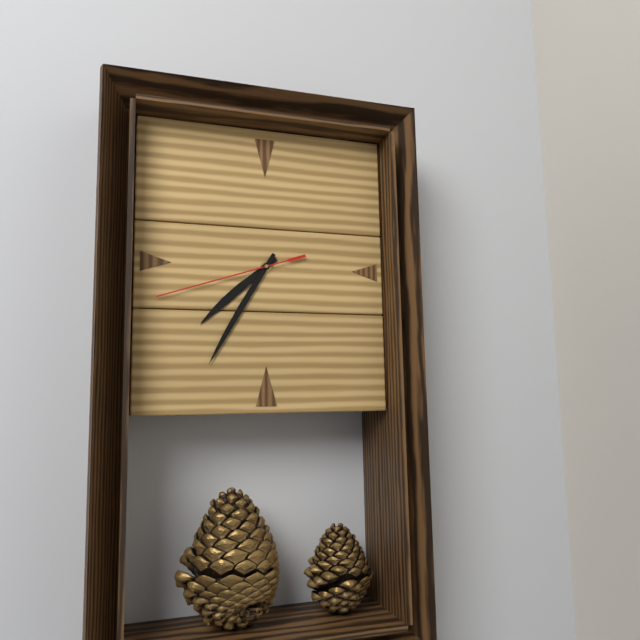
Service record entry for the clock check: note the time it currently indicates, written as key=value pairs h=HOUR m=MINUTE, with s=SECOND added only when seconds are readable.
h=7 m=35 s=42
